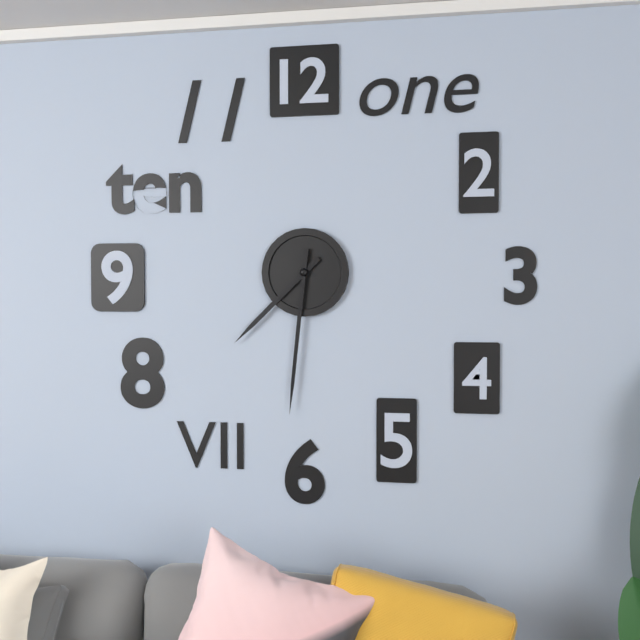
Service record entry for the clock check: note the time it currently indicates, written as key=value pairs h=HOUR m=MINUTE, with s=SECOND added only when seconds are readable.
h=7 m=31
